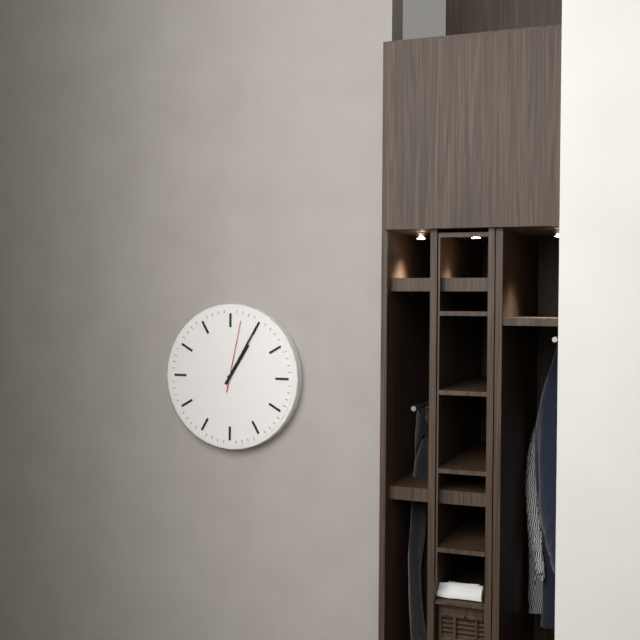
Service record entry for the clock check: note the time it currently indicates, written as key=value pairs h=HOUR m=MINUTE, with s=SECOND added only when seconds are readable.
h=1 m=5 s=2
